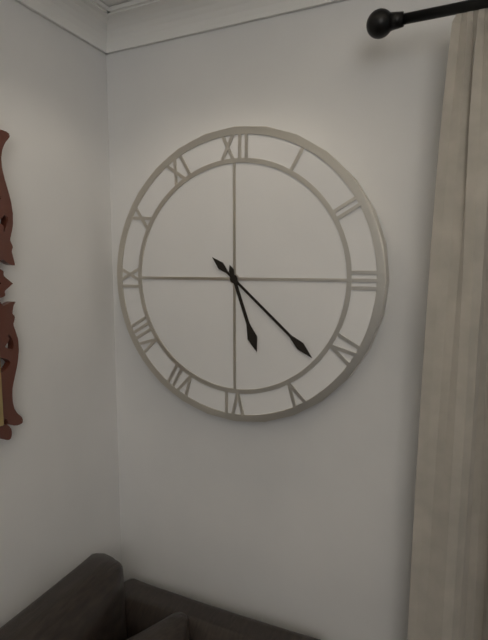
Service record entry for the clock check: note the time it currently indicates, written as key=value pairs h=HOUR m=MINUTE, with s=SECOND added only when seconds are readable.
h=5 m=22
